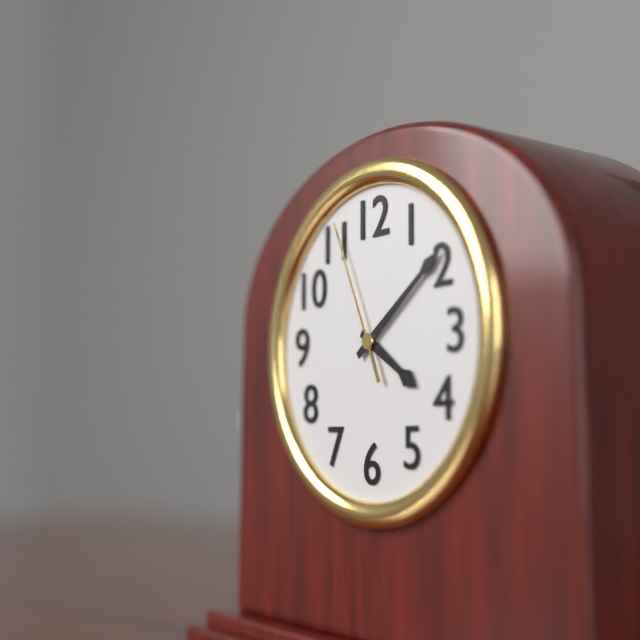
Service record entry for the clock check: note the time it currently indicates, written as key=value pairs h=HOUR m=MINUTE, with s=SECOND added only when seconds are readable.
h=4 m=9 s=56
